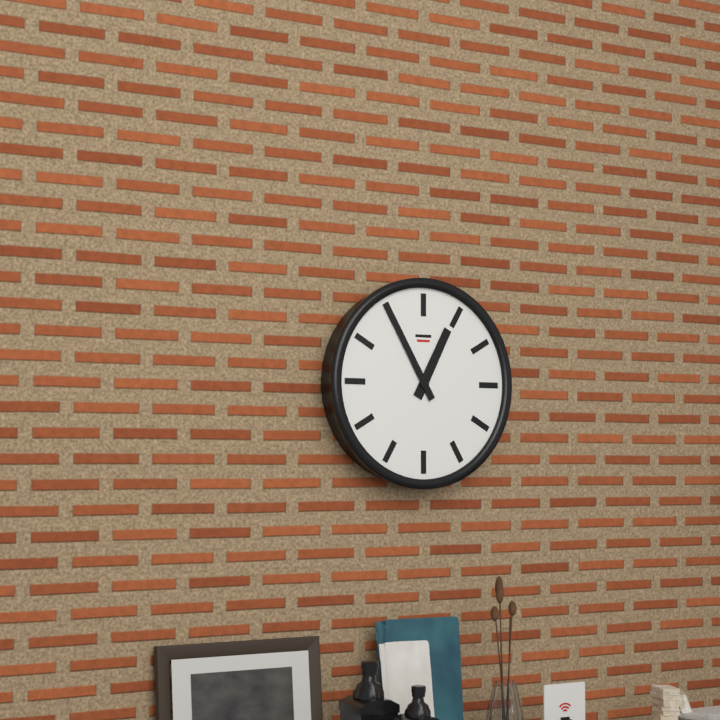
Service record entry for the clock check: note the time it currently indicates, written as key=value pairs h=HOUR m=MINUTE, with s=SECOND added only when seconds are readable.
h=12 m=55
